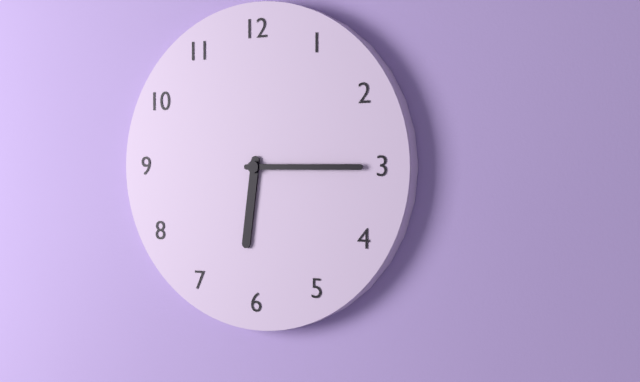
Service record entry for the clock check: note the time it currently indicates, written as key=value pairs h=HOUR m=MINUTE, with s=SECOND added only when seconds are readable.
h=6 m=15
